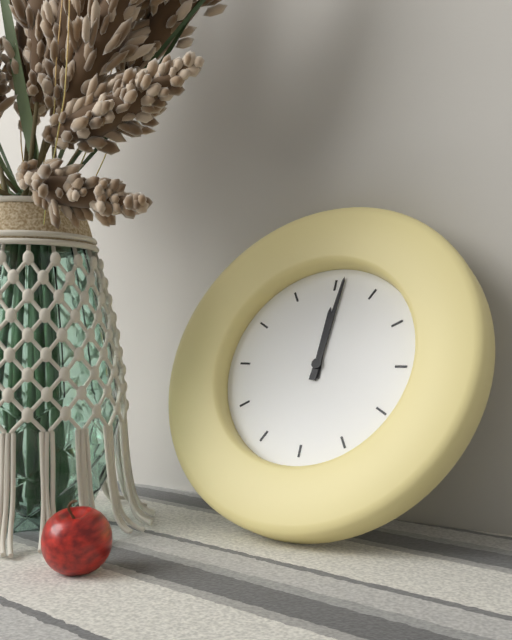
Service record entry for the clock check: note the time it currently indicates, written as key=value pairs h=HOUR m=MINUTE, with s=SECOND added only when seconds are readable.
h=12 m=1
